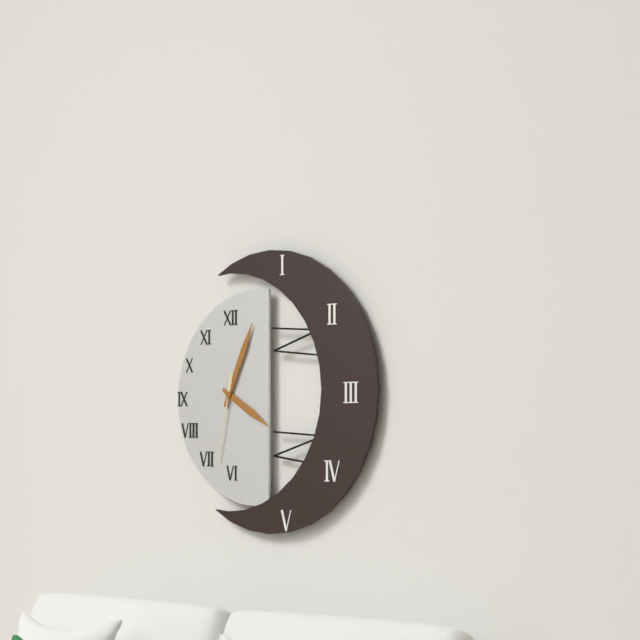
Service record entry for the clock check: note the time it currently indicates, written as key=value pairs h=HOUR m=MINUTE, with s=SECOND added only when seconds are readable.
h=4 m=4 s=32
